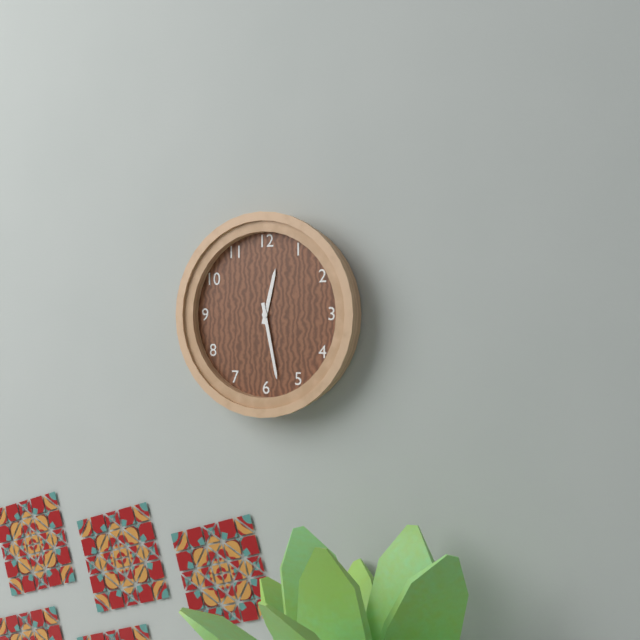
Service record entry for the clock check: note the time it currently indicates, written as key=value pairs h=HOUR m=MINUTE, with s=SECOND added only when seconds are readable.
h=12 m=28
